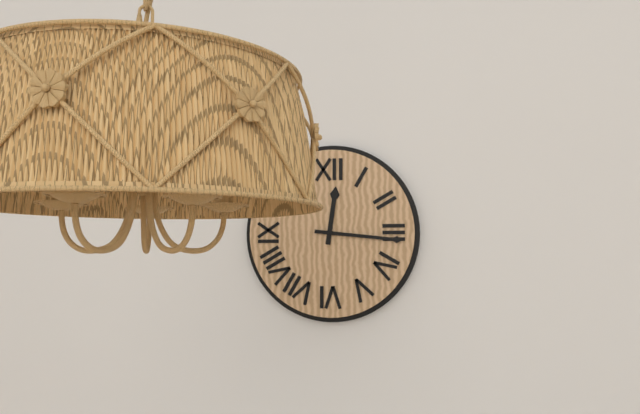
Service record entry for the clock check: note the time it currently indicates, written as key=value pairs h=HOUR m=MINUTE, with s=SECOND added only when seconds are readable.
h=12 m=16
